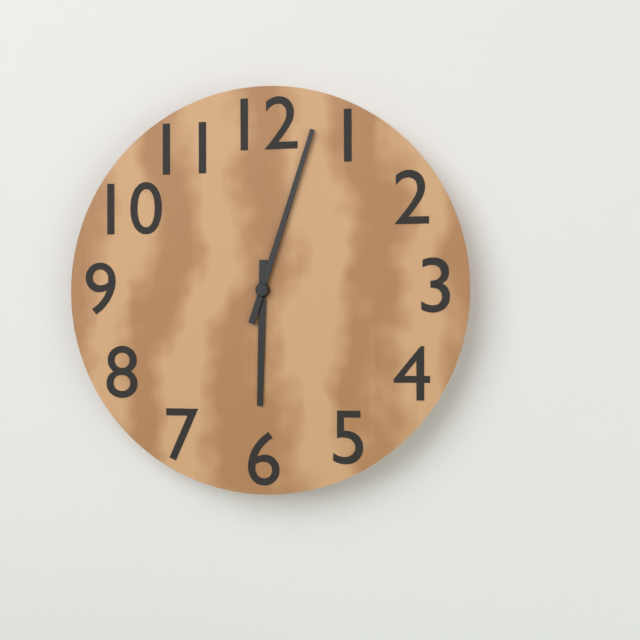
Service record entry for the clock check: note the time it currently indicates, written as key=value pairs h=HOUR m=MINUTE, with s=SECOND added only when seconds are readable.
h=6 m=3
